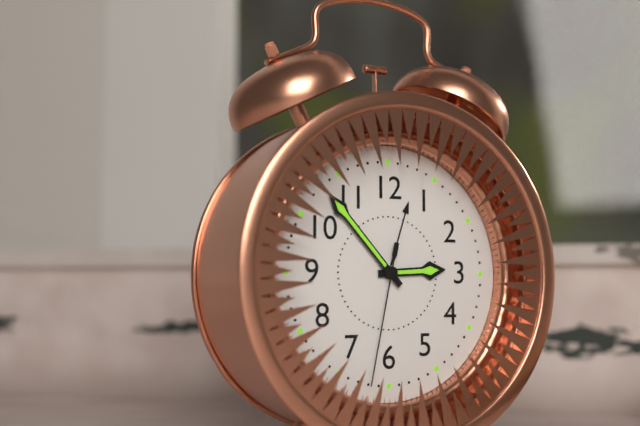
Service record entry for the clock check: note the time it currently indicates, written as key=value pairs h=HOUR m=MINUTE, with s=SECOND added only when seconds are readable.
h=2 m=53 s=32
